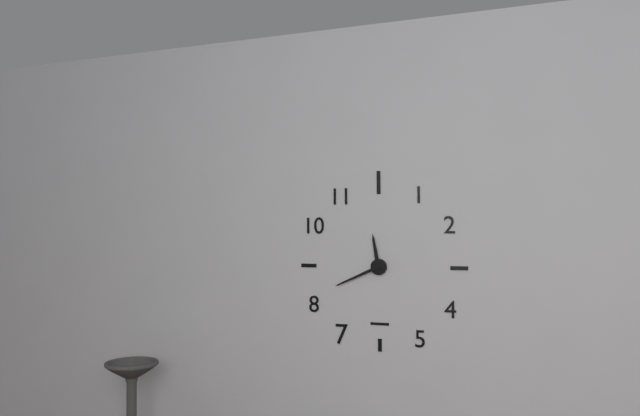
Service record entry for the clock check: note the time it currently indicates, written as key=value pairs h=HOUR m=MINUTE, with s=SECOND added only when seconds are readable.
h=11 m=41
